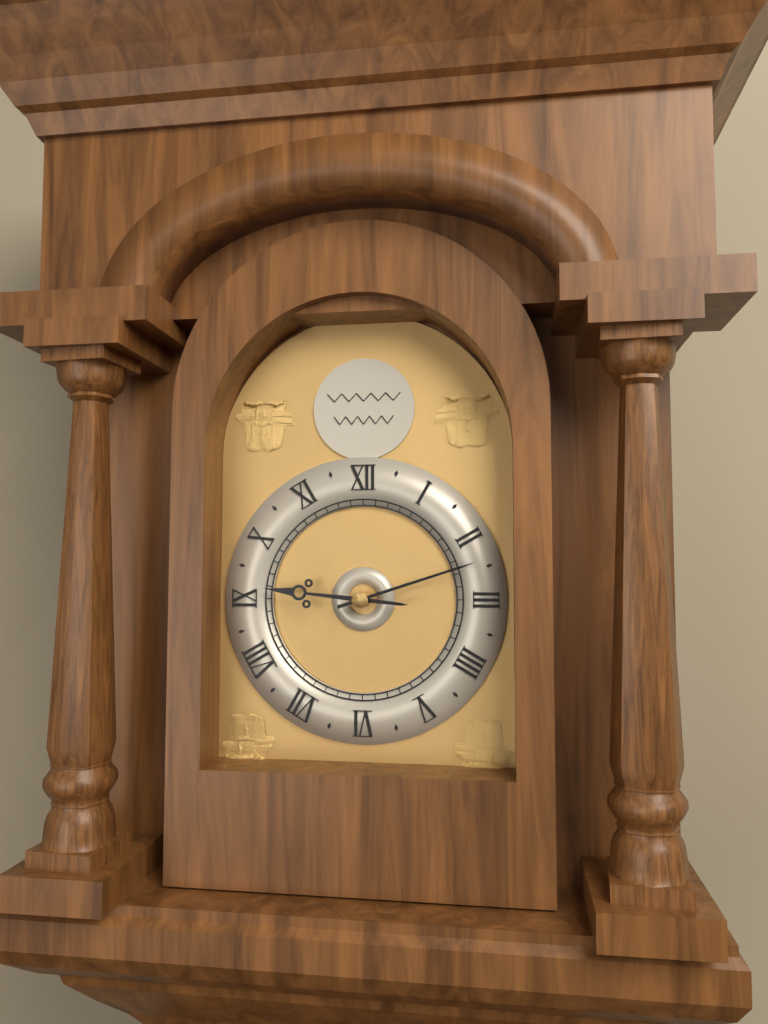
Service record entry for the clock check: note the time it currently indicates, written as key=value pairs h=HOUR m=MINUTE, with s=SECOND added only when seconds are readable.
h=9 m=12
